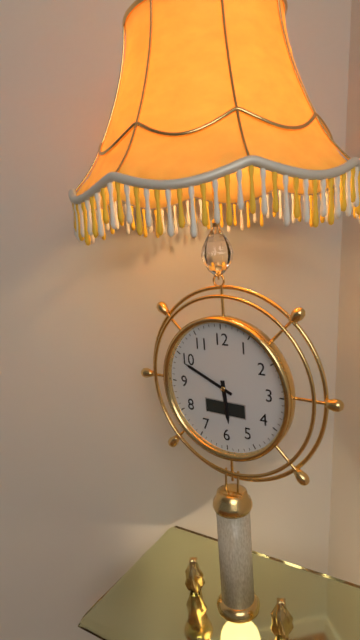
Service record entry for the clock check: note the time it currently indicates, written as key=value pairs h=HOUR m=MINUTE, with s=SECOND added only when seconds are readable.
h=5 m=49
